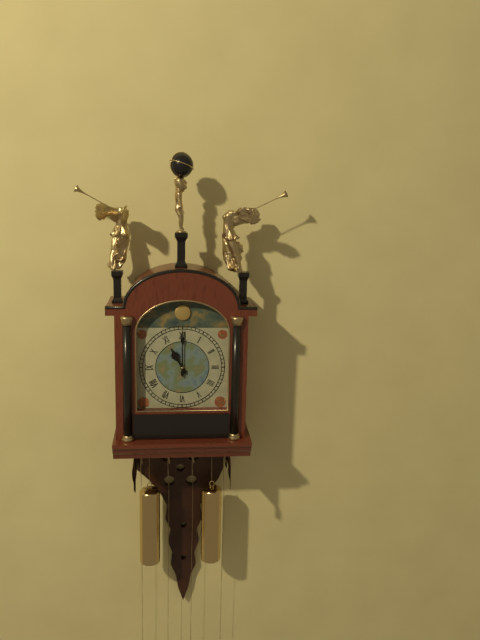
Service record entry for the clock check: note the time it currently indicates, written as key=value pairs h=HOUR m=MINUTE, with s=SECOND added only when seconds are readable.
h=11 m=0
